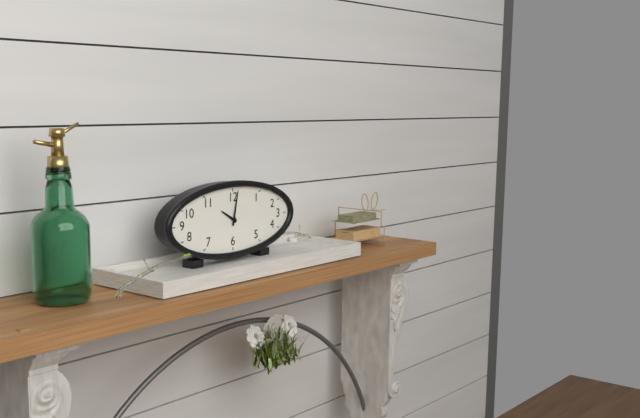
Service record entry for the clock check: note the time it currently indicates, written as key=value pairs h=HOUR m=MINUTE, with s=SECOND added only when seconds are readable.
h=10 m=2
